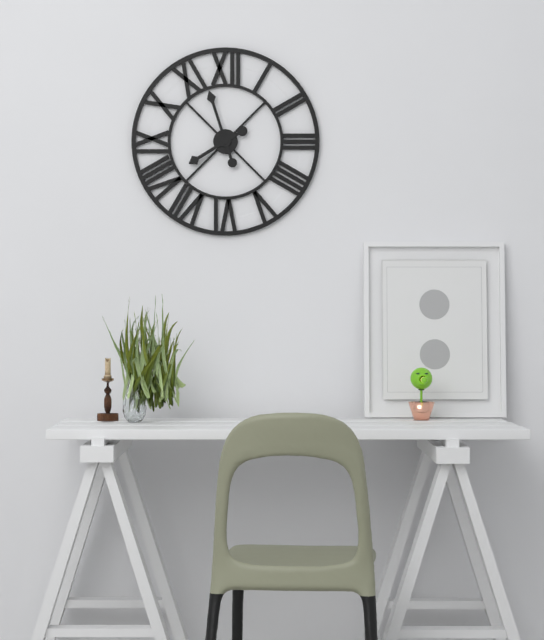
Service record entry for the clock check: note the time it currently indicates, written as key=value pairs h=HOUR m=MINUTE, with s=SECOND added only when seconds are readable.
h=7 m=57
